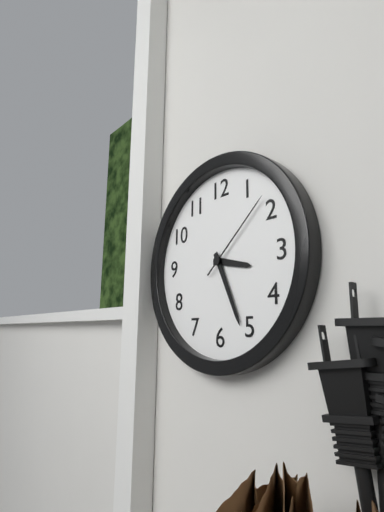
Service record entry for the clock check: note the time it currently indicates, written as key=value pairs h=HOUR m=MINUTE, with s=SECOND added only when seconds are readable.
h=3 m=26 s=8
